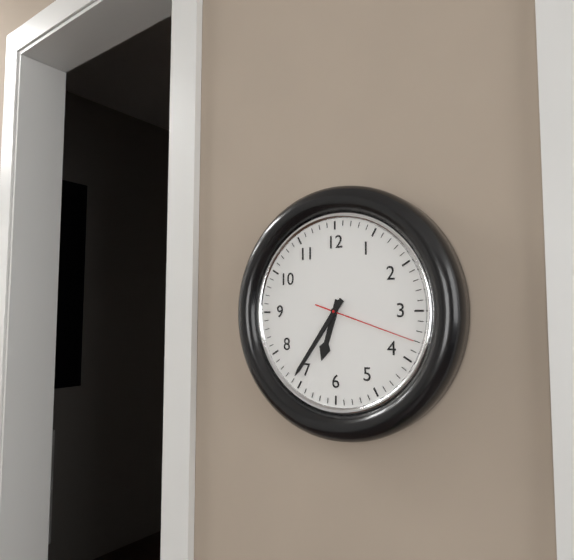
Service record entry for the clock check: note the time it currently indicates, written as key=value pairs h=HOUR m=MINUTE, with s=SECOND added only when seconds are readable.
h=6 m=36 s=18
